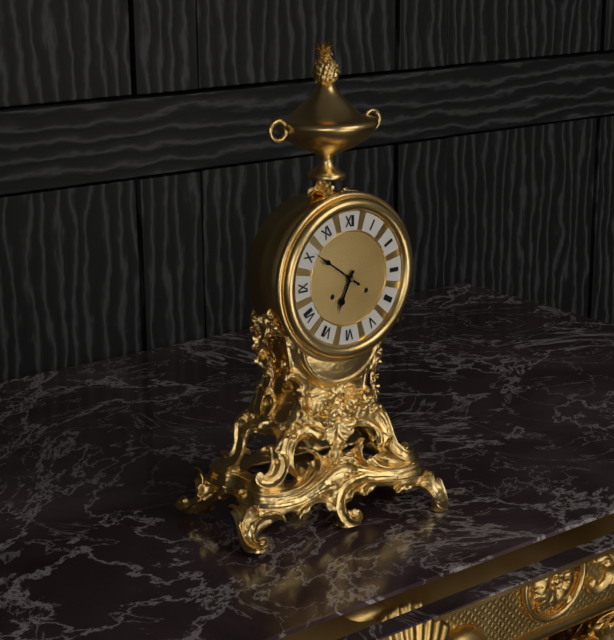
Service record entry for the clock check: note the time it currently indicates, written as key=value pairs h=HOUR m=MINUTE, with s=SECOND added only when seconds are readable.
h=6 m=51
